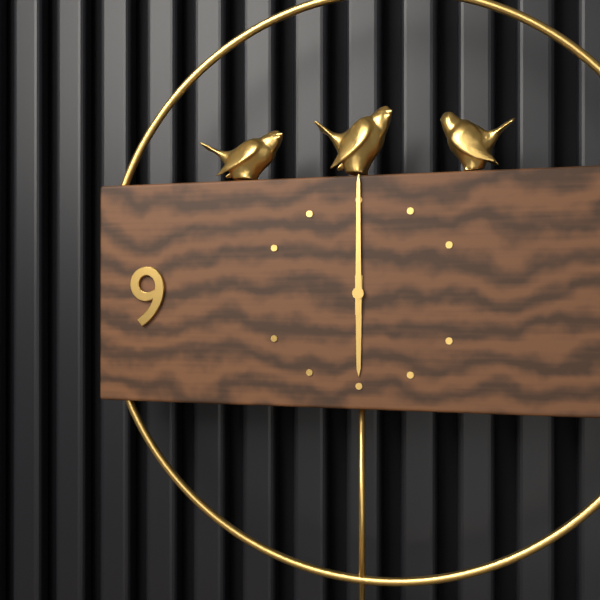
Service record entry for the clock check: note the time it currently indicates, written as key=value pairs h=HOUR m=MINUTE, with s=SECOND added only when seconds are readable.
h=6 m=0
